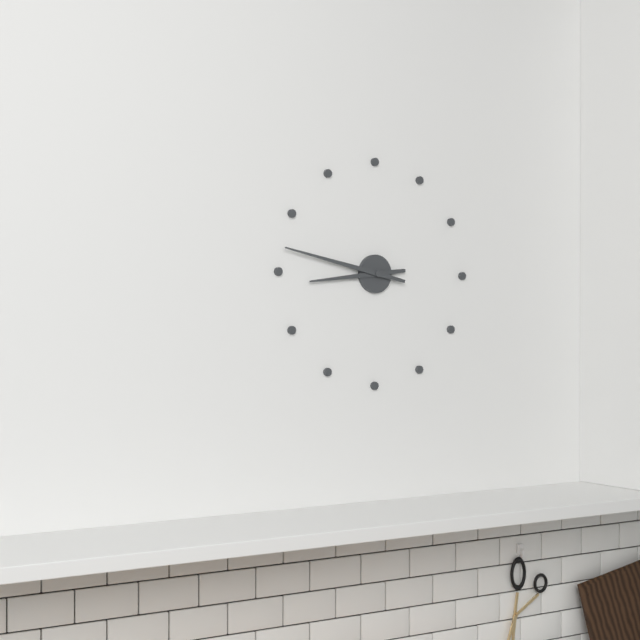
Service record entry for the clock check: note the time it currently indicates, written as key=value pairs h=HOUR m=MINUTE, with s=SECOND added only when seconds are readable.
h=8 m=47
